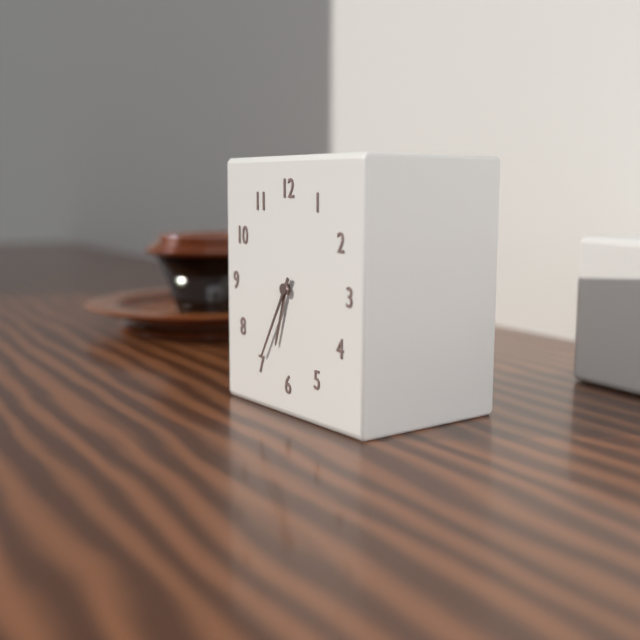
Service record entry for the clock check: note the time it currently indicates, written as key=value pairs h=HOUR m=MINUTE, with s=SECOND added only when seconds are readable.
h=6 m=35
